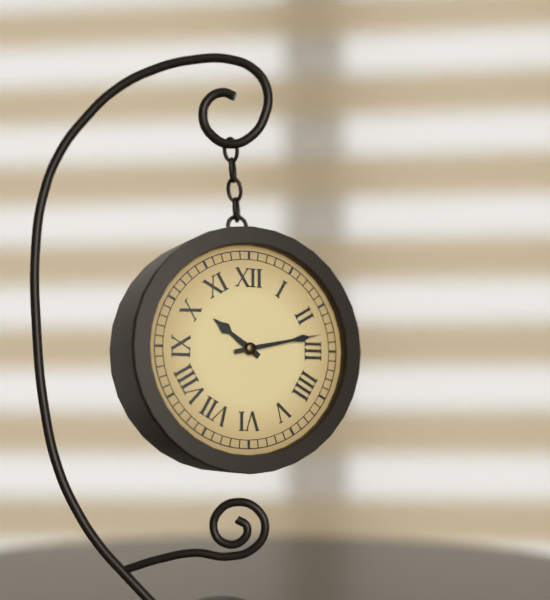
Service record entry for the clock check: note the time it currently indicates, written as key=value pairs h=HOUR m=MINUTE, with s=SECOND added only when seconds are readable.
h=10 m=13
